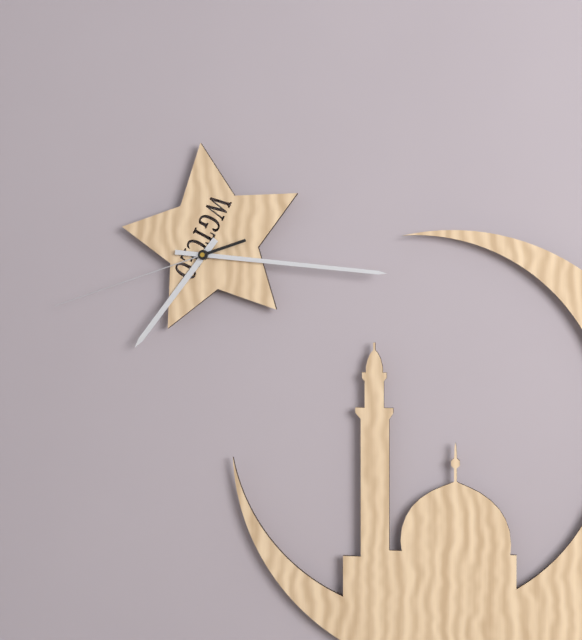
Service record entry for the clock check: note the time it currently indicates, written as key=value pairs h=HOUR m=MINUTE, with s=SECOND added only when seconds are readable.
h=7 m=16 s=42
